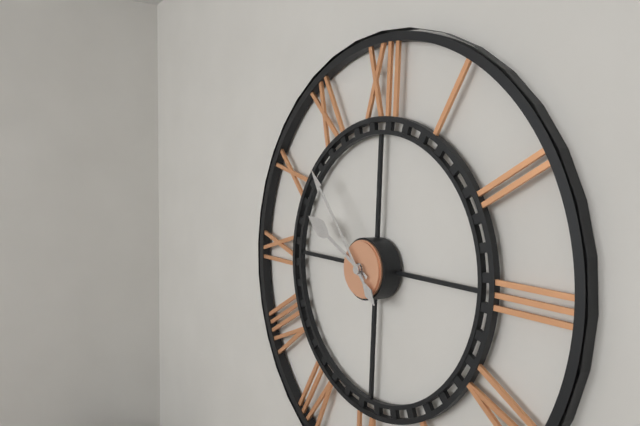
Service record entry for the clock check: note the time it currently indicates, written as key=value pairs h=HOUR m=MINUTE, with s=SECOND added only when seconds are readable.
h=9 m=53
